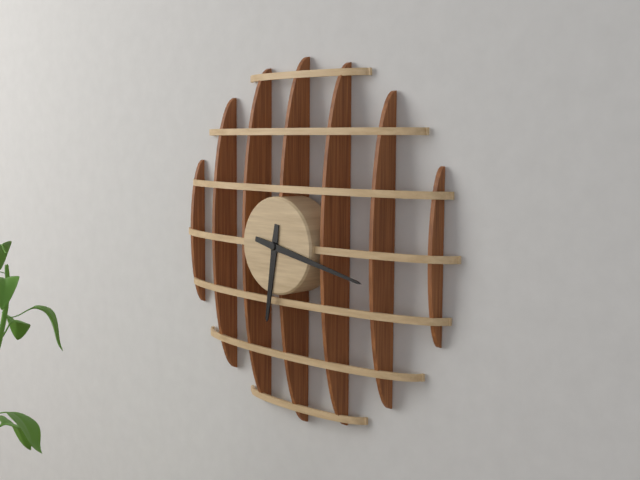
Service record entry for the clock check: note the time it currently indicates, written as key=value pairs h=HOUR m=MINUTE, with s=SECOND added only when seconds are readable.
h=6 m=17
